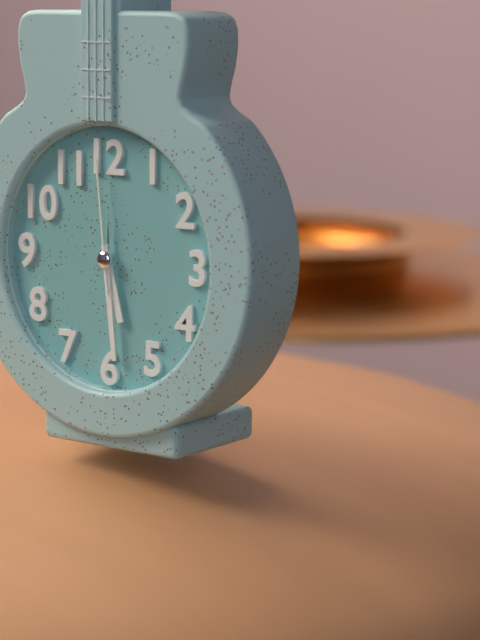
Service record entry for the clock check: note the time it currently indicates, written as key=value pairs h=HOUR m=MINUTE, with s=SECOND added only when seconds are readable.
h=5 m=29 s=59
